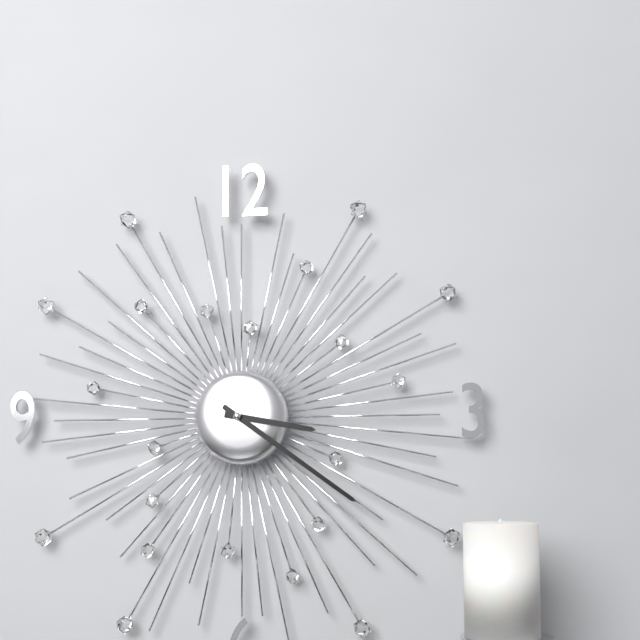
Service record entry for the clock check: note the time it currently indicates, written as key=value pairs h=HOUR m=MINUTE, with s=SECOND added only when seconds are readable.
h=3 m=21
